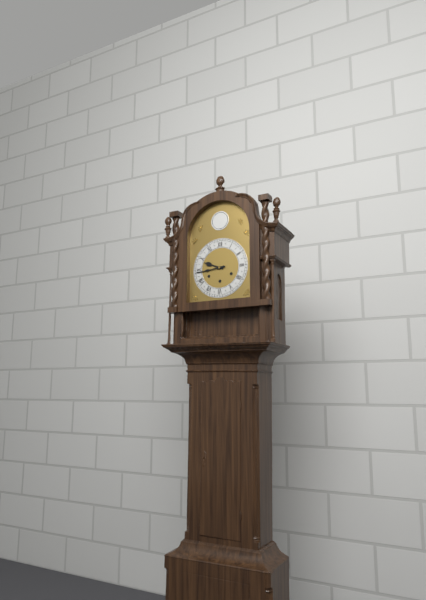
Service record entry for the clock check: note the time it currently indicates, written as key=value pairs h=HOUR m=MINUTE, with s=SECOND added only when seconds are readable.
h=9 m=44
